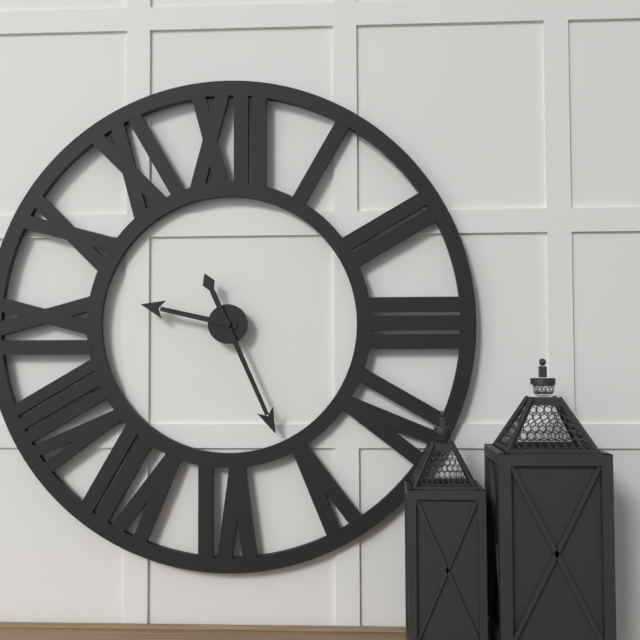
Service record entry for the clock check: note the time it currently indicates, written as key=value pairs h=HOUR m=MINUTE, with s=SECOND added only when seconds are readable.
h=9 m=26
